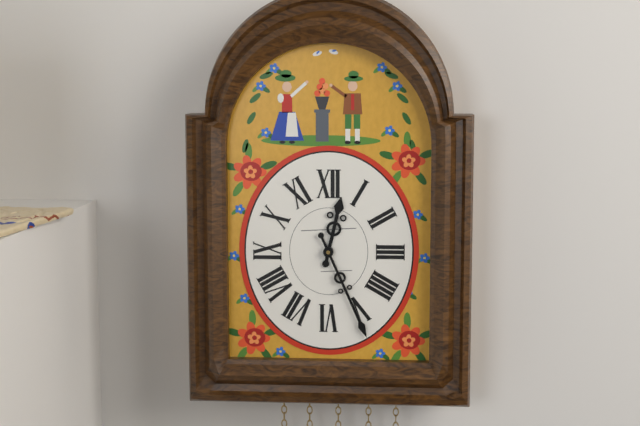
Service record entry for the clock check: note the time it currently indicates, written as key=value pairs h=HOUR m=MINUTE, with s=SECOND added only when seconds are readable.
h=12 m=26
